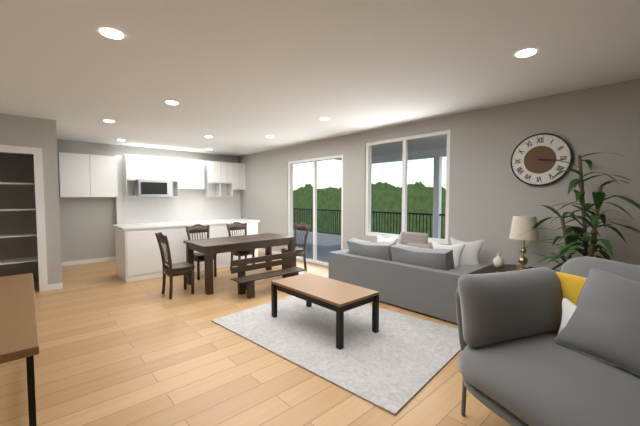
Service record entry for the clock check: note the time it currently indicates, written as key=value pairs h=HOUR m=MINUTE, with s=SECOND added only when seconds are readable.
h=3 m=16
